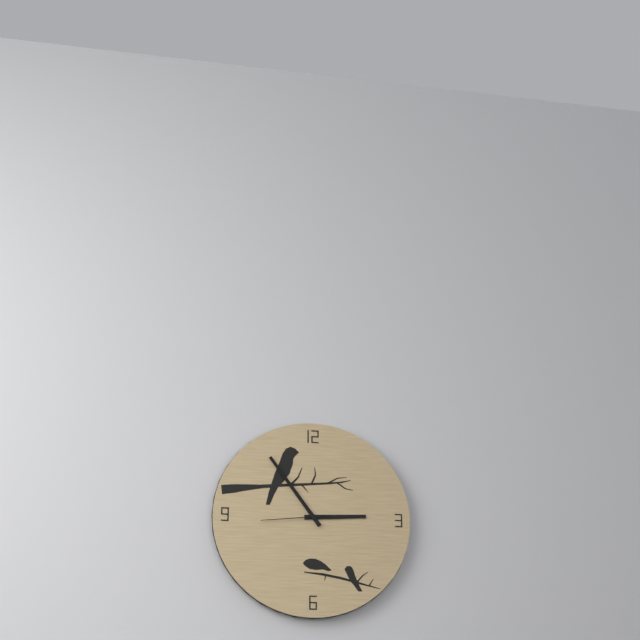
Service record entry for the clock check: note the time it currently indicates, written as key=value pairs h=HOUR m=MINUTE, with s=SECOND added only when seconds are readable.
h=2 m=54 s=44
